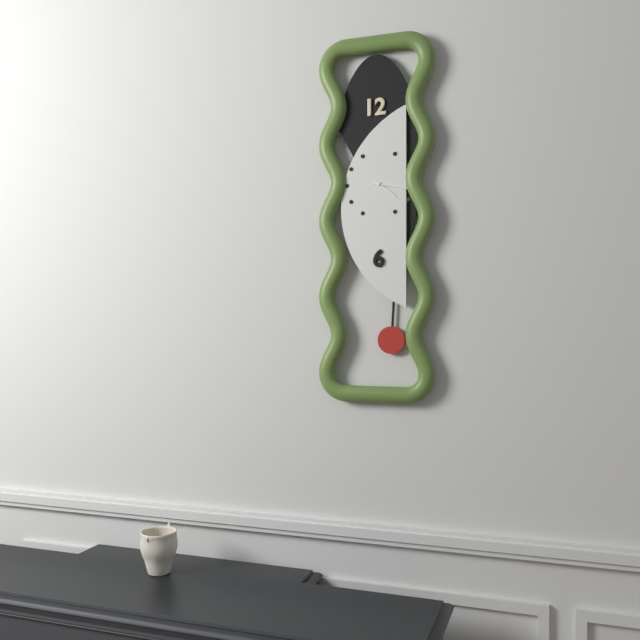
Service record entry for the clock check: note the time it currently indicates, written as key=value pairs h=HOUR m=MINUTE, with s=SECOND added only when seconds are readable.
h=4 m=17
